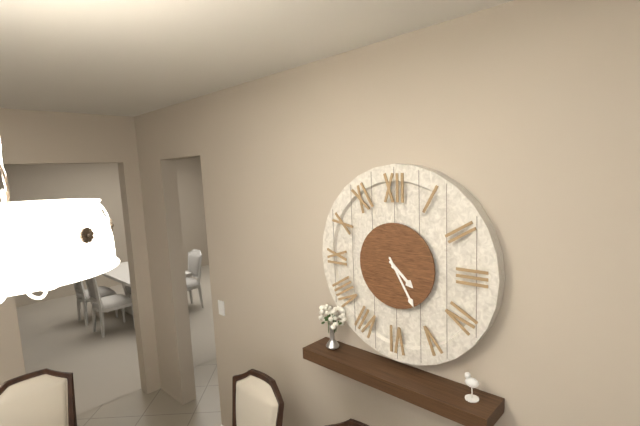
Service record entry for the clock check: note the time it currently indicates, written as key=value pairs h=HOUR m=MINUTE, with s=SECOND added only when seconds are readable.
h=4 m=25
